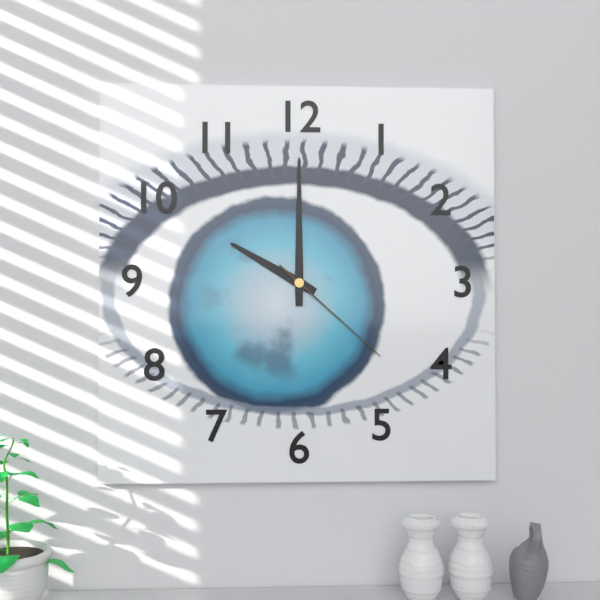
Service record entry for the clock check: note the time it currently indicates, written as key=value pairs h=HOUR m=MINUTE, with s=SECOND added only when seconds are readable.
h=10 m=0 s=22
